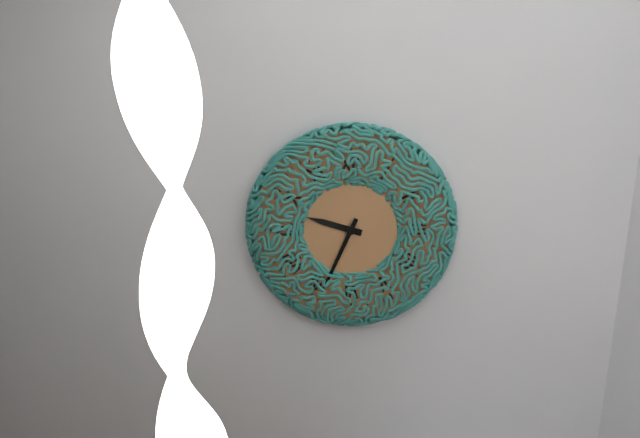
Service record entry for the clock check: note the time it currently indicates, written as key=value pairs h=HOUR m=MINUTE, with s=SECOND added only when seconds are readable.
h=9 m=34
